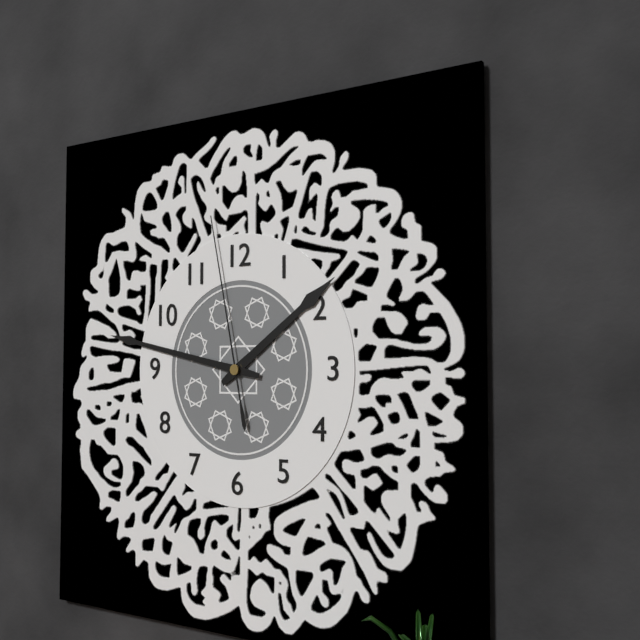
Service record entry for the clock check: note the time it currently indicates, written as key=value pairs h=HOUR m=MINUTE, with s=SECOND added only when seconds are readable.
h=1 m=47 s=58
